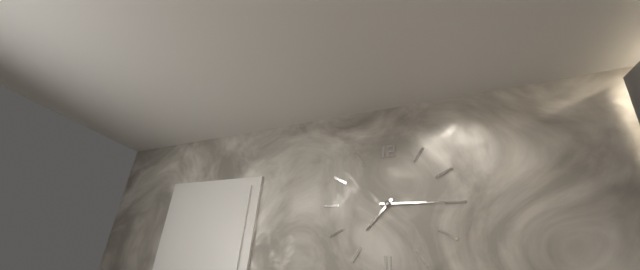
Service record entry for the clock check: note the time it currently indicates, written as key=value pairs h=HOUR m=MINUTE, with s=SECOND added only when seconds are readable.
h=7 m=15
